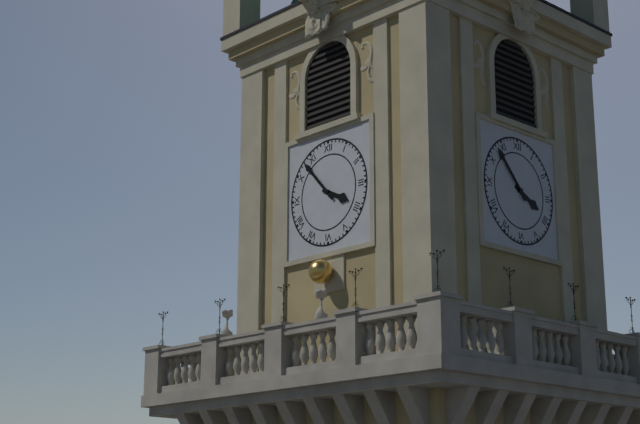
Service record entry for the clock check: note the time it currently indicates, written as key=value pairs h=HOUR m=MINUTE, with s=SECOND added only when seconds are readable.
h=3 m=53
